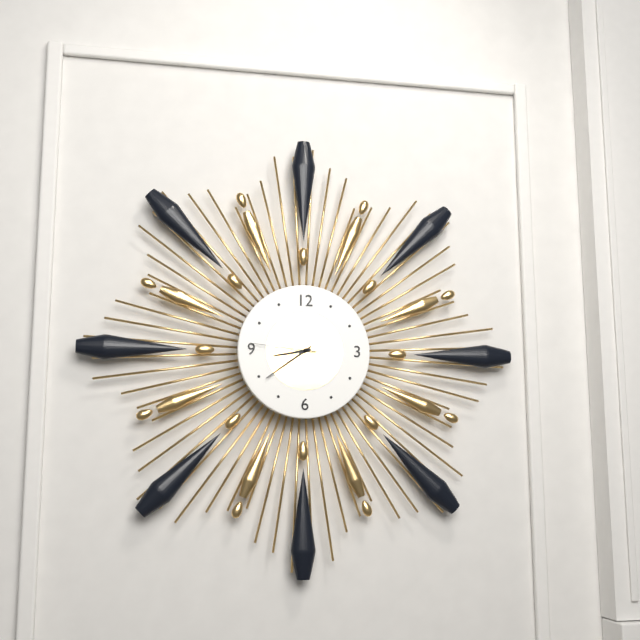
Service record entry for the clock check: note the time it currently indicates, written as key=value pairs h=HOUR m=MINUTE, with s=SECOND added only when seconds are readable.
h=8 m=39 s=46
